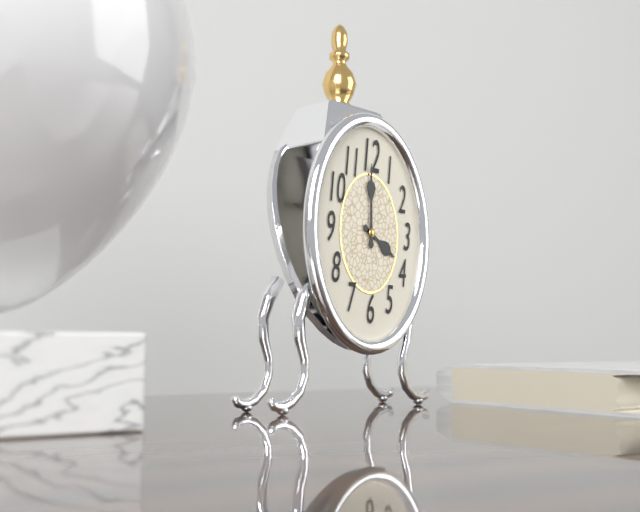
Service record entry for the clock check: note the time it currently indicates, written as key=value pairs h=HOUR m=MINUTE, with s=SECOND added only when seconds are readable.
h=4 m=0
